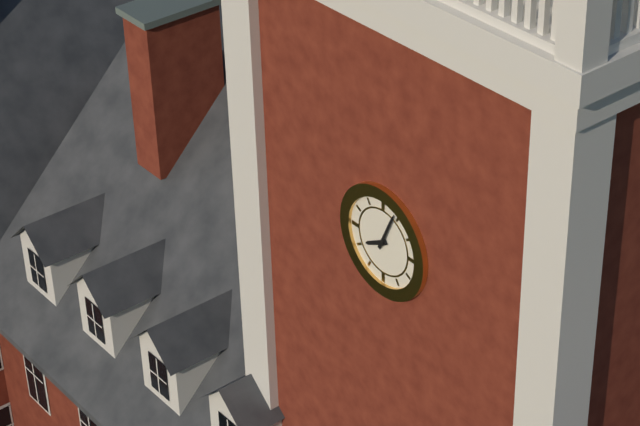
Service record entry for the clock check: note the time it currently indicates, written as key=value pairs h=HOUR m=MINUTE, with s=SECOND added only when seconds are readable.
h=8 m=4
